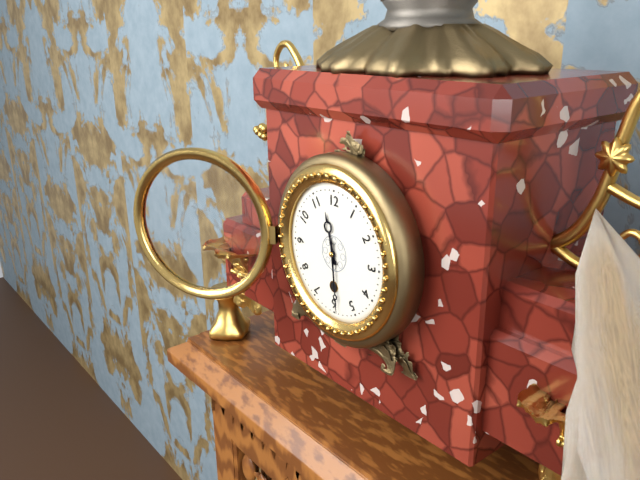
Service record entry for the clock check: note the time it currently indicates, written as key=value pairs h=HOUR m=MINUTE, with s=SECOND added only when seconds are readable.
h=11 m=29
